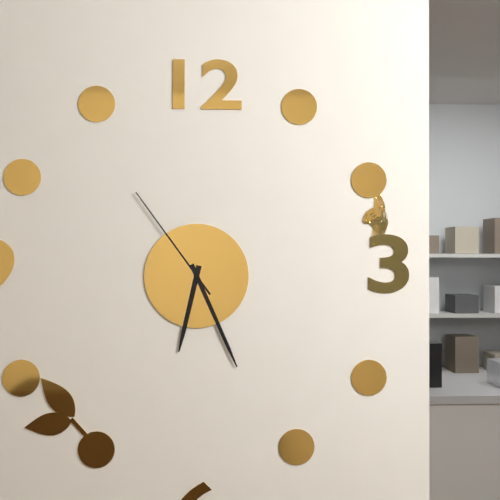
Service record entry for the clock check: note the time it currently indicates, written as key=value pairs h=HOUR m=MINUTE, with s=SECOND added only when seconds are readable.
h=6 m=26 s=54
